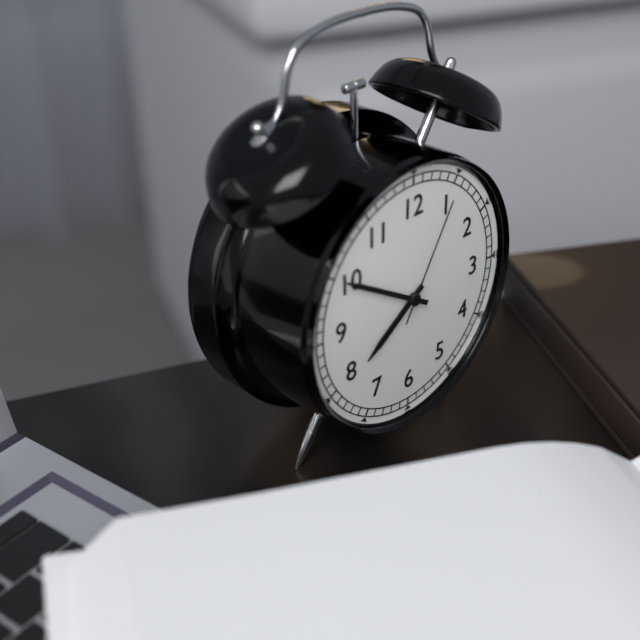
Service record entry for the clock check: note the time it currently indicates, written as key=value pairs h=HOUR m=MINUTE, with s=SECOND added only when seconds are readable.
h=7 m=50 s=5
